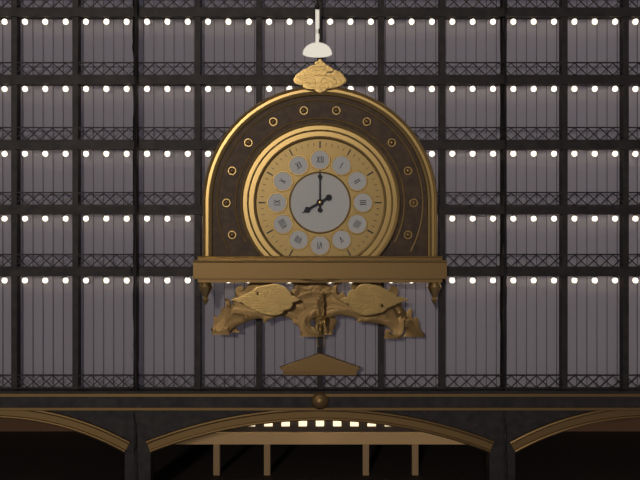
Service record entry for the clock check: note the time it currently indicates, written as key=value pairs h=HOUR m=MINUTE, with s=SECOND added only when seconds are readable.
h=8 m=0
